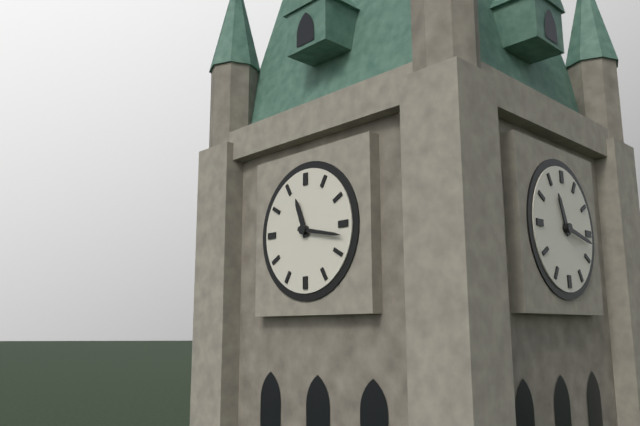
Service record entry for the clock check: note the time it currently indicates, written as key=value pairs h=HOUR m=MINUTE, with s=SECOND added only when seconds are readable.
h=11 m=17
